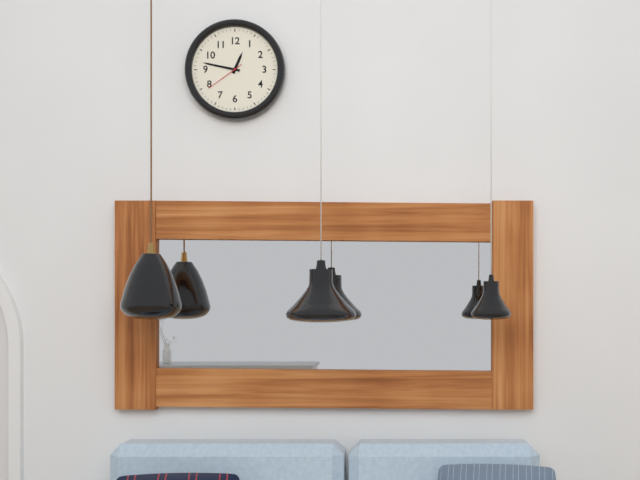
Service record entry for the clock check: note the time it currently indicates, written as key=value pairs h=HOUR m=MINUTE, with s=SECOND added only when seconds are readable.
h=12 m=47
